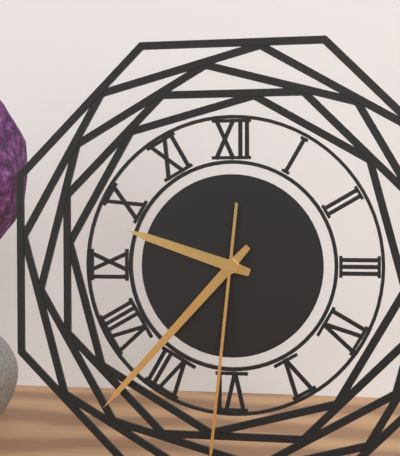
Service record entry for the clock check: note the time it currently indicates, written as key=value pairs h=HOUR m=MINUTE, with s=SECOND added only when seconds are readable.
h=9 m=37
